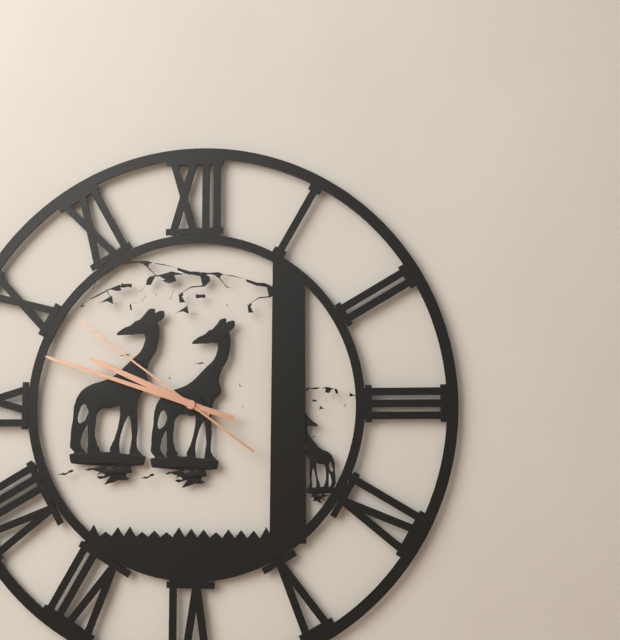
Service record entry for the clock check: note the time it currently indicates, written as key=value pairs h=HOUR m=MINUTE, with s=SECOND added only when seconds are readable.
h=9 m=48 s=51
